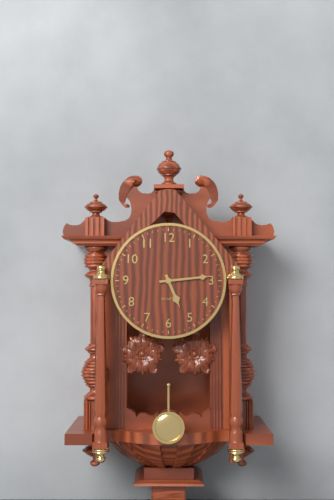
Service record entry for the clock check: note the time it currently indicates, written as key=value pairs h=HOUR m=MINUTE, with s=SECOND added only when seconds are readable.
h=5 m=14
